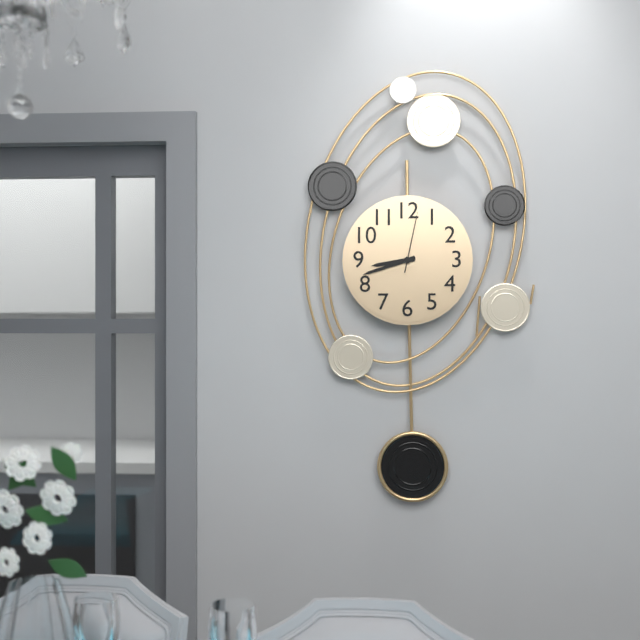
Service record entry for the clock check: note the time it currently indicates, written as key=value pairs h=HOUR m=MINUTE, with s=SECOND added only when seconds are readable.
h=8 m=42 s=2
